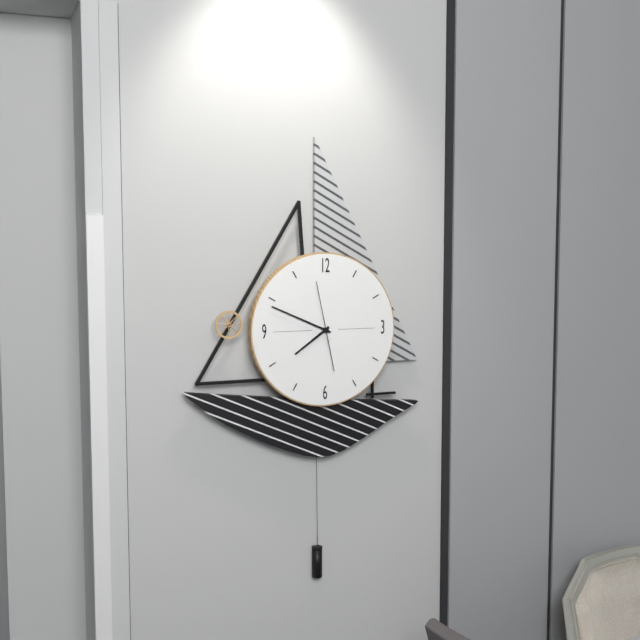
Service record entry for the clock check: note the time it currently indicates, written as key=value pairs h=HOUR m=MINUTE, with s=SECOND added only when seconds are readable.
h=7 m=49 s=58
